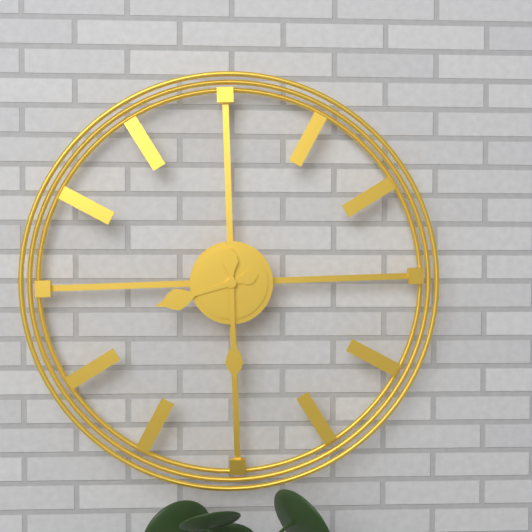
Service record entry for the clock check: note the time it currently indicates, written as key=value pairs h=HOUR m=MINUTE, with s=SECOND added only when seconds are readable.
h=8 m=30
